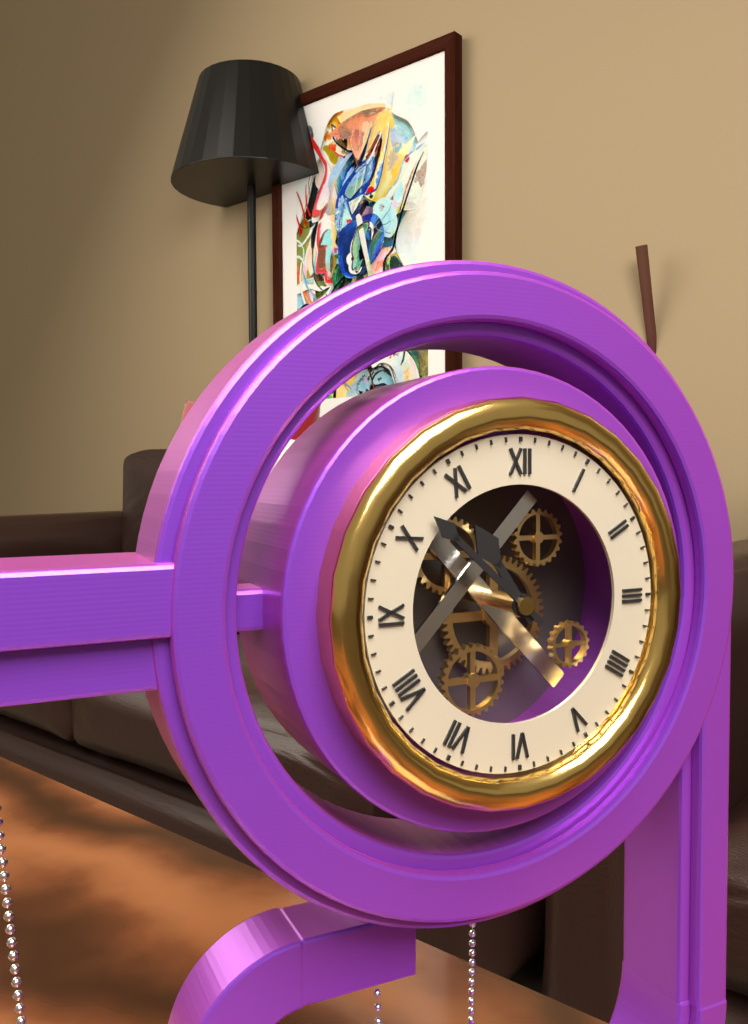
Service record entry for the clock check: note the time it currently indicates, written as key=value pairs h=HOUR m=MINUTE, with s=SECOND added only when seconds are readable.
h=10 m=52
